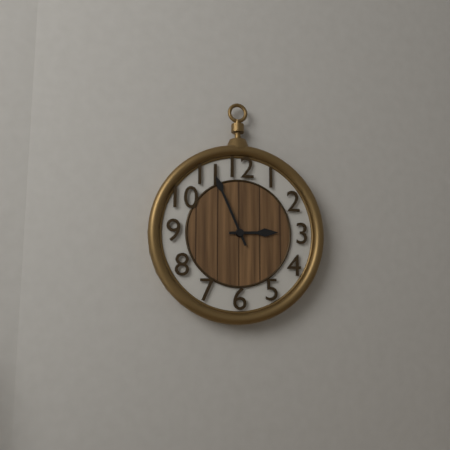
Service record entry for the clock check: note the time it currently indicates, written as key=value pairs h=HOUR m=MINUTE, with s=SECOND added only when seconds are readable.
h=2 m=56
